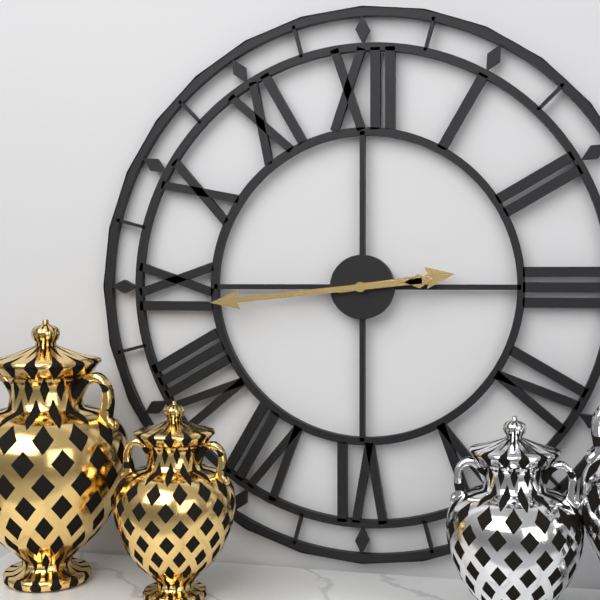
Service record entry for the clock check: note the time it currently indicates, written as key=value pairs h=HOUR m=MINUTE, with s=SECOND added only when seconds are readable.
h=2 m=44
